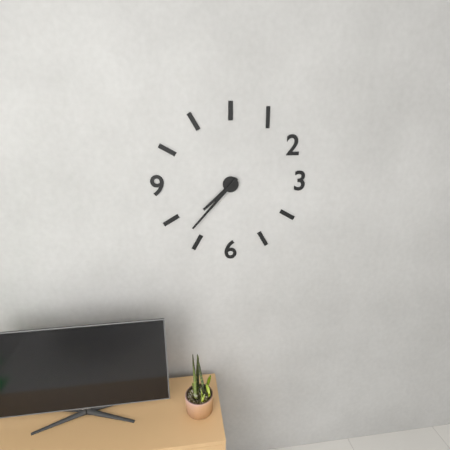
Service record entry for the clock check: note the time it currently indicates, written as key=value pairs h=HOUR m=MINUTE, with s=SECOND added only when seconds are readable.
h=7 m=37
